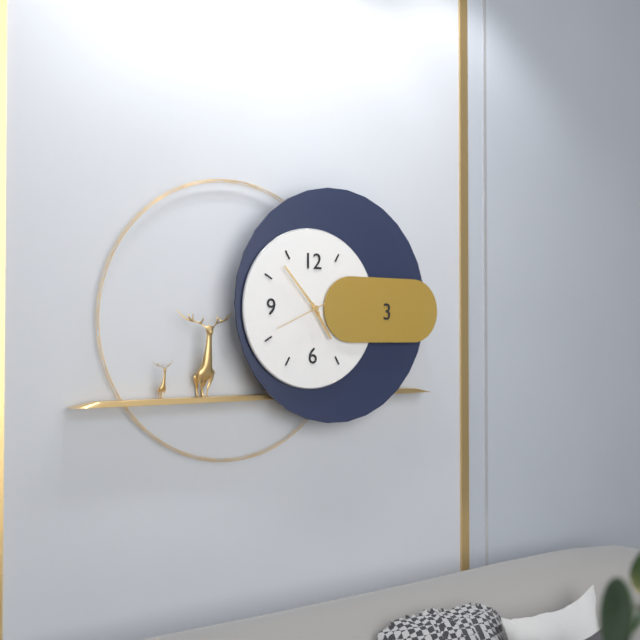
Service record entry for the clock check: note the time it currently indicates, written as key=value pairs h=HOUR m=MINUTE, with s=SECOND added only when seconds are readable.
h=4 m=53 s=41
